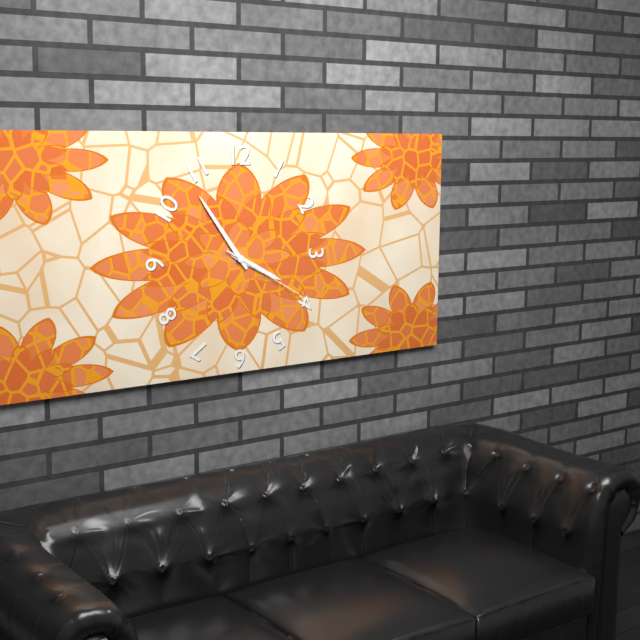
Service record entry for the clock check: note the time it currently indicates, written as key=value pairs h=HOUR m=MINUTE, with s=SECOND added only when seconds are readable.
h=3 m=54 s=20
